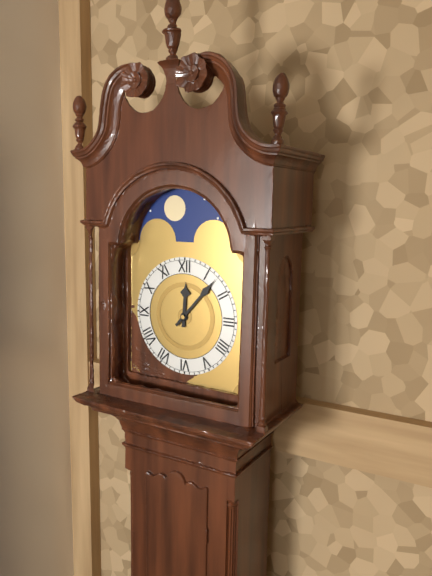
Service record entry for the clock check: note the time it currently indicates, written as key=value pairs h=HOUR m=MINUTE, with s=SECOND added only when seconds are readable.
h=12 m=7
